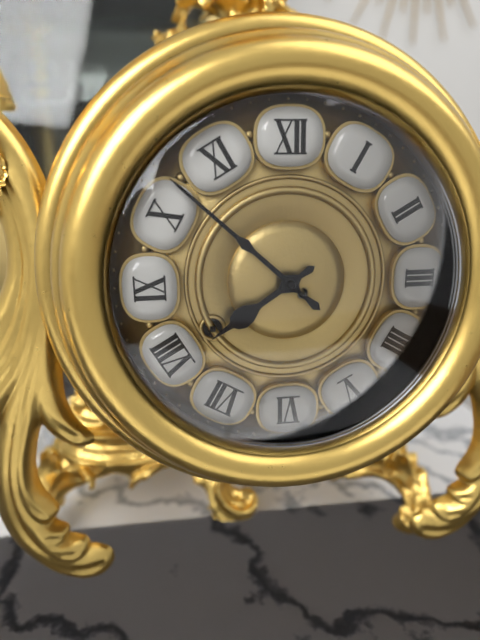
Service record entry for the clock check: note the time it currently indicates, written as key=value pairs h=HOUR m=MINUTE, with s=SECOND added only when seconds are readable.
h=7 m=52
